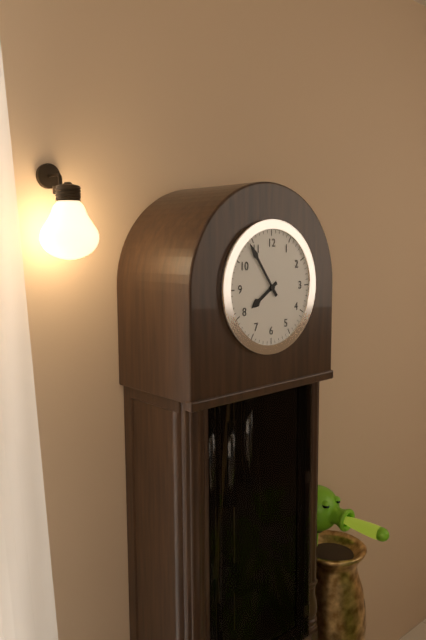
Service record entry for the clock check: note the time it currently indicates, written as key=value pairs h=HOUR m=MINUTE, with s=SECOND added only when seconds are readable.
h=7 m=54
